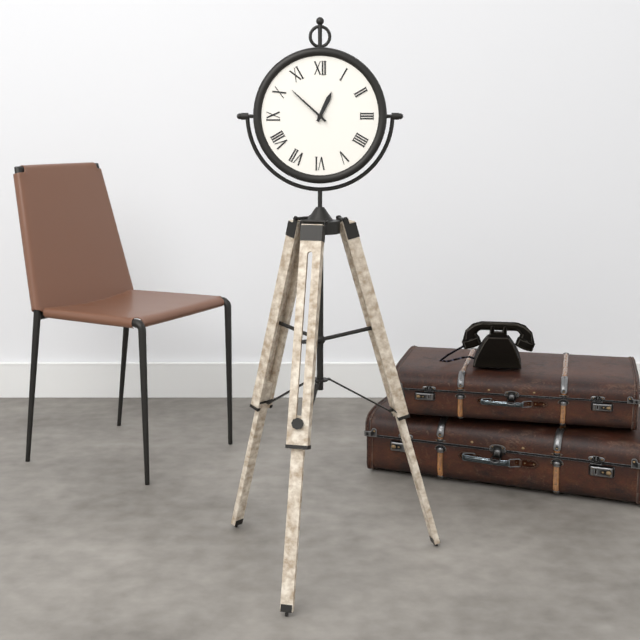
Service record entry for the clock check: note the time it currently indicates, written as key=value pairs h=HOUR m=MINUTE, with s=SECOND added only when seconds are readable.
h=12 m=52
